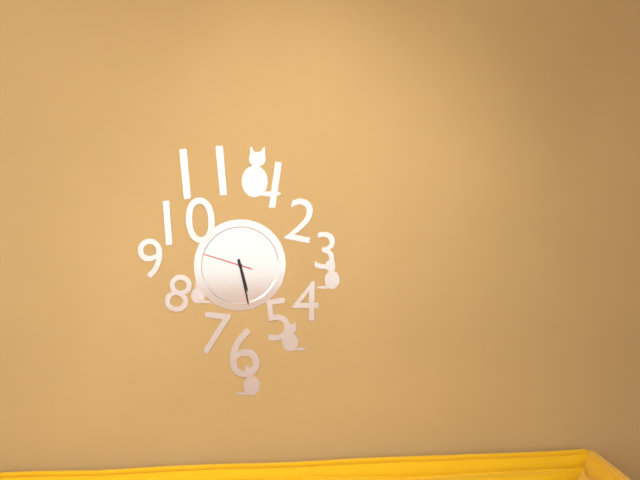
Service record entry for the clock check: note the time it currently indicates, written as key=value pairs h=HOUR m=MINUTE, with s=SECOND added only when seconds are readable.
h=5 m=28
